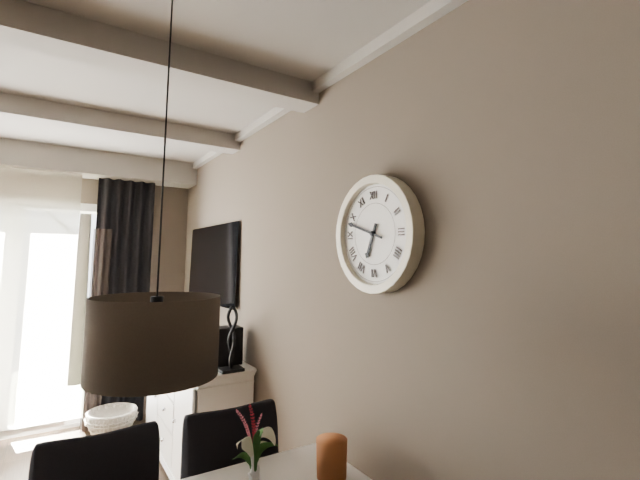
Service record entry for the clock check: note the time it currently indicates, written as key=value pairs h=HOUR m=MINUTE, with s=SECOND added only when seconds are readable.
h=6 m=48
